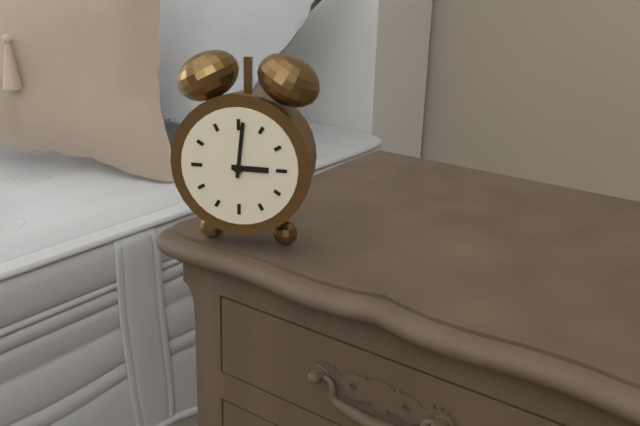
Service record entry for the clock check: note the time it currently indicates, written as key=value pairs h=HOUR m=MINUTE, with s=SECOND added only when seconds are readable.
h=3 m=1
